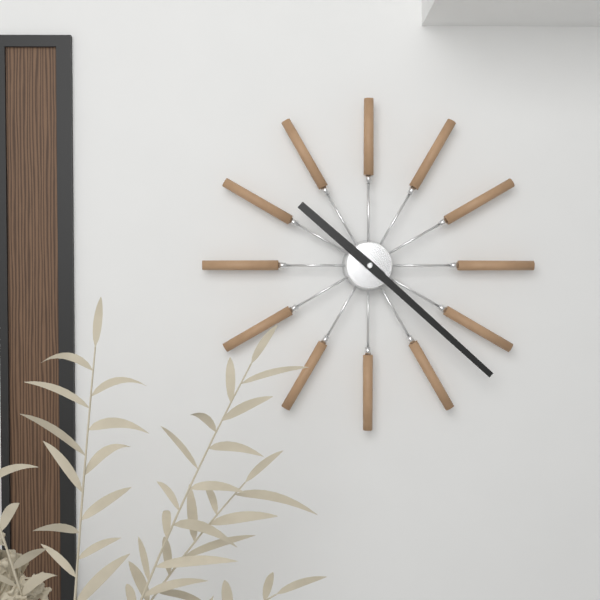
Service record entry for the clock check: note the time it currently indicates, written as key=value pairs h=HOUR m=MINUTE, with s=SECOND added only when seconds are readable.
h=10 m=22
